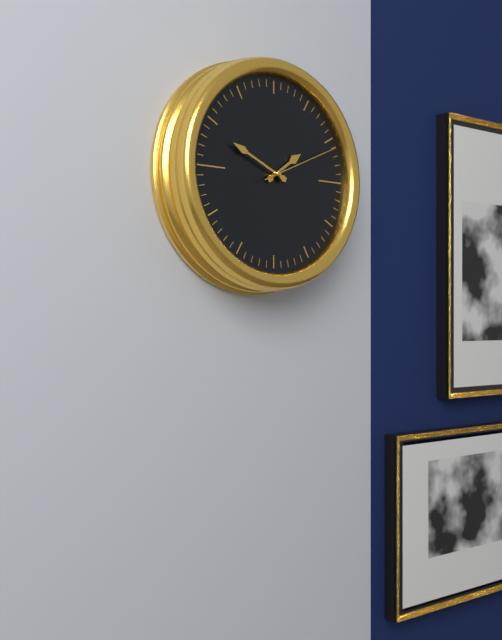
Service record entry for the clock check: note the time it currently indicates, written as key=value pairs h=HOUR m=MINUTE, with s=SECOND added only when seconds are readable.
h=1 m=49 s=11
